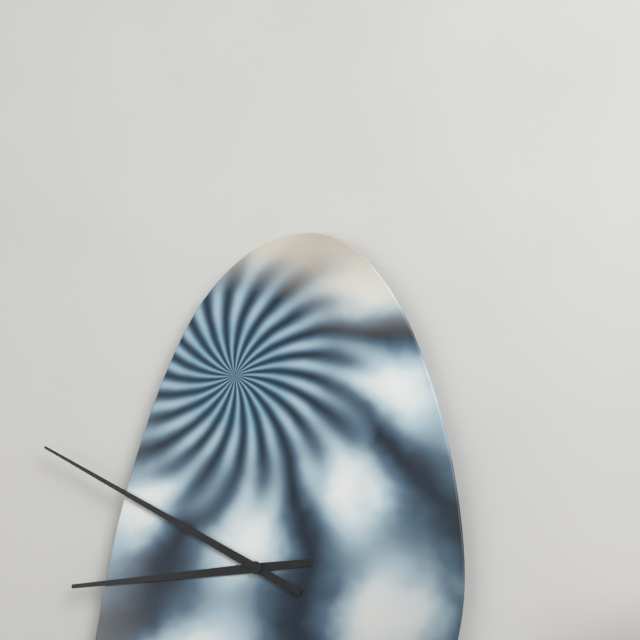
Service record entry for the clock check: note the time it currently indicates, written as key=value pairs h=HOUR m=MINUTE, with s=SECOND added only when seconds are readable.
h=8 m=50
